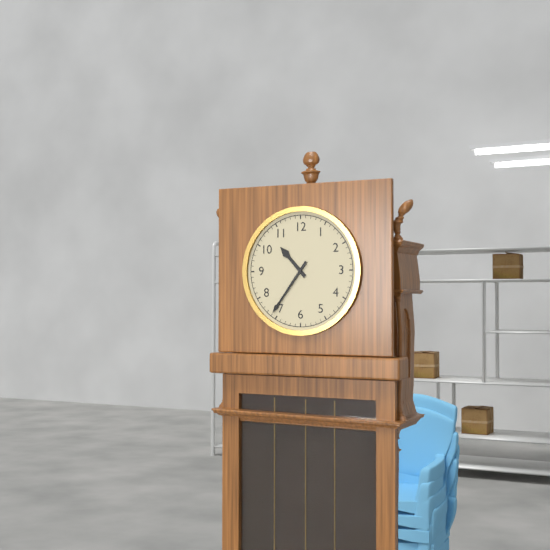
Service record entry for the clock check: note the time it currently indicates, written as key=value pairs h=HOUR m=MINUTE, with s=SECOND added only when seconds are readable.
h=10 m=36
